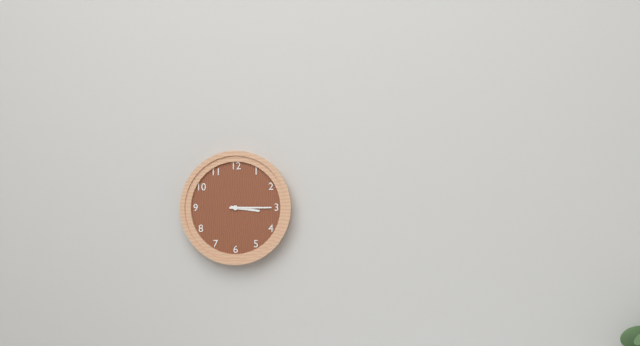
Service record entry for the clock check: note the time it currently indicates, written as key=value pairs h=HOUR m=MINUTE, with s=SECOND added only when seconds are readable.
h=3 m=15
